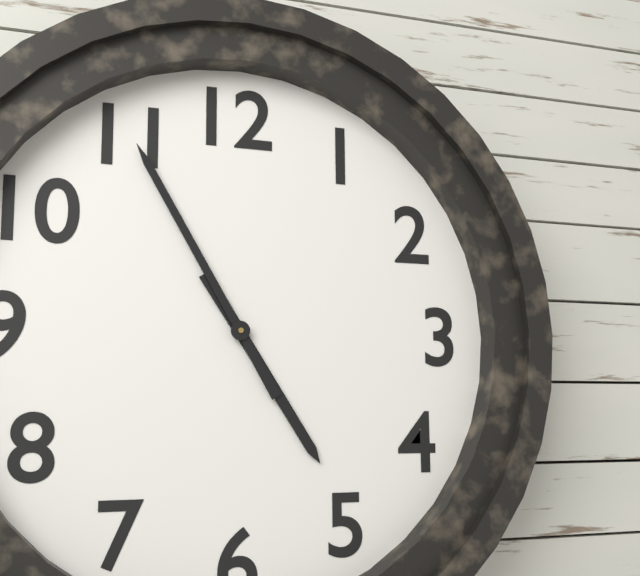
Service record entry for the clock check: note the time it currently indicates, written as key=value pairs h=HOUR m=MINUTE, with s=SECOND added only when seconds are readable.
h=4 m=55
